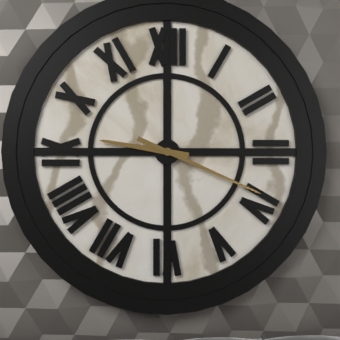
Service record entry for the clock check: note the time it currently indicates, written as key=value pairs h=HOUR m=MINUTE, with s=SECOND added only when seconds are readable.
h=9 m=19
